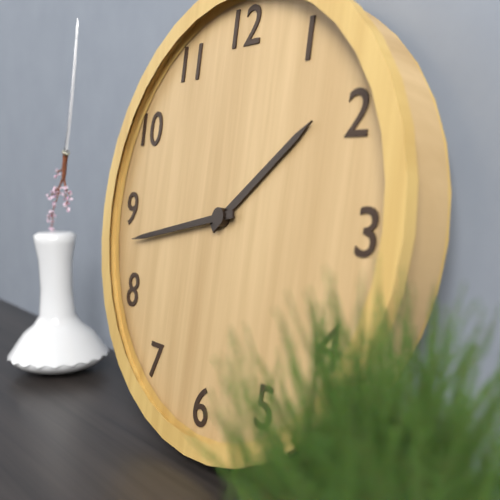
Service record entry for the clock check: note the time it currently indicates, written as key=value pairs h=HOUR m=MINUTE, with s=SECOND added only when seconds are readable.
h=1 m=43
